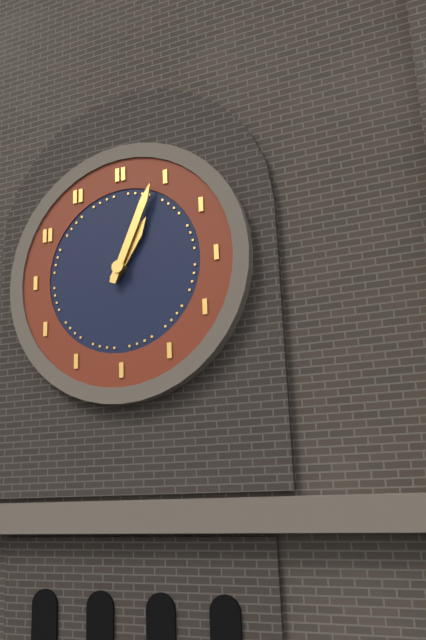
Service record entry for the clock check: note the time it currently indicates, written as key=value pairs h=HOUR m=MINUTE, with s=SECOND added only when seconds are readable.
h=1 m=4
